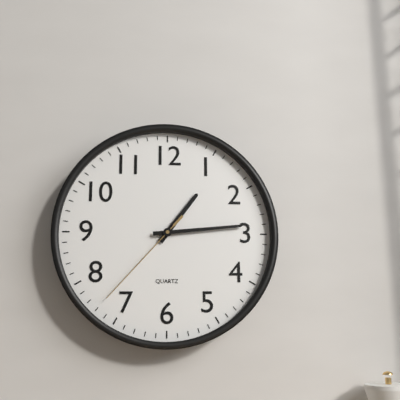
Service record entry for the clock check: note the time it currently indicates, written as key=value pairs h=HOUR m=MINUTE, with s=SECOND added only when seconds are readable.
h=1 m=14 s=37
